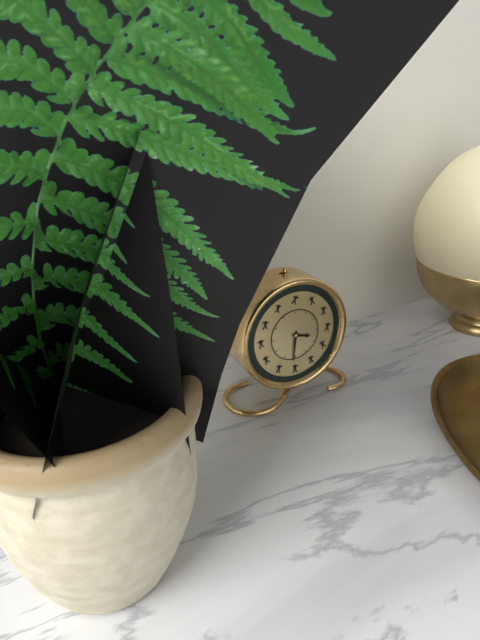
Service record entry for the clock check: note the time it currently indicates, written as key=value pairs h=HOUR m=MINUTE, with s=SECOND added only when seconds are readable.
h=3 m=31
